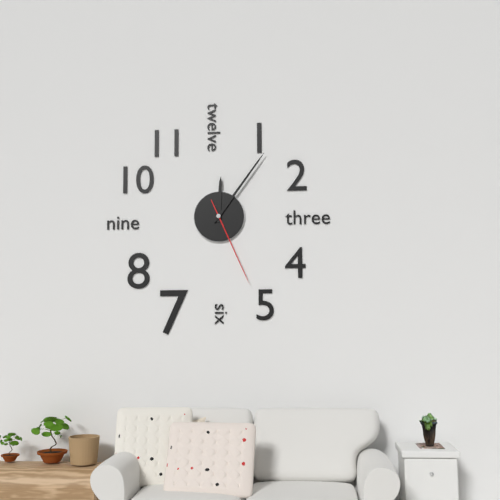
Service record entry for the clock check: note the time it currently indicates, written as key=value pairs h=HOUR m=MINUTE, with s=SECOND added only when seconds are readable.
h=12 m=6 s=26
